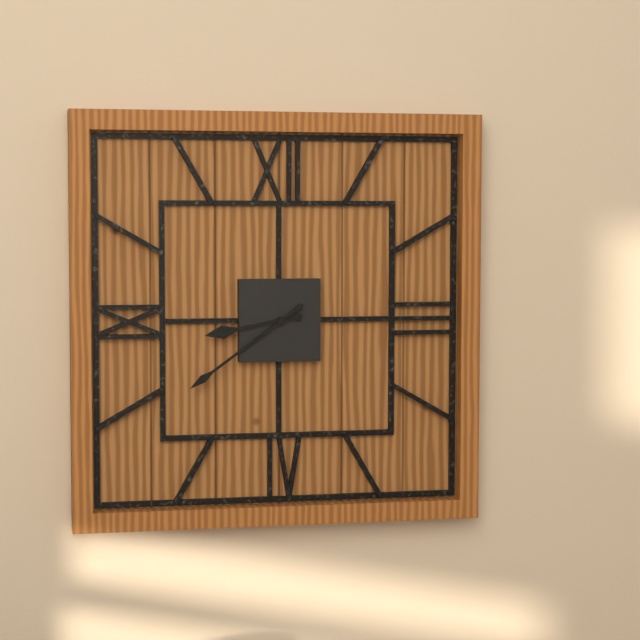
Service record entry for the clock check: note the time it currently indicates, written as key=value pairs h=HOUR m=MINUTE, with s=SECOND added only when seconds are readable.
h=8 m=39
